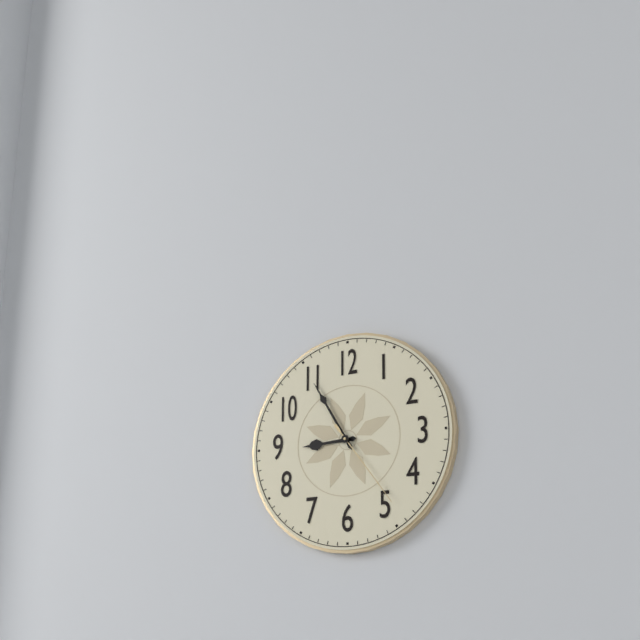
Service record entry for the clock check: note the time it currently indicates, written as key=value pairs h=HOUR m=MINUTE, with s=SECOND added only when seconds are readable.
h=8 m=55 s=24
